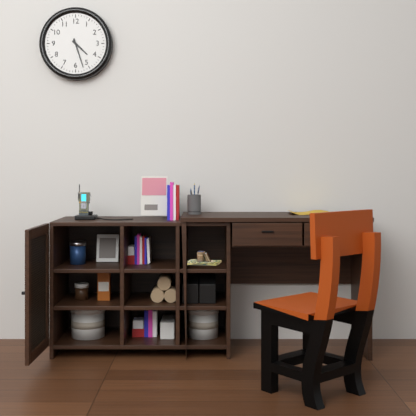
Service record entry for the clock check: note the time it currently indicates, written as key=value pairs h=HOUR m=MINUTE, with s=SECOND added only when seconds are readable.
h=4 m=27
